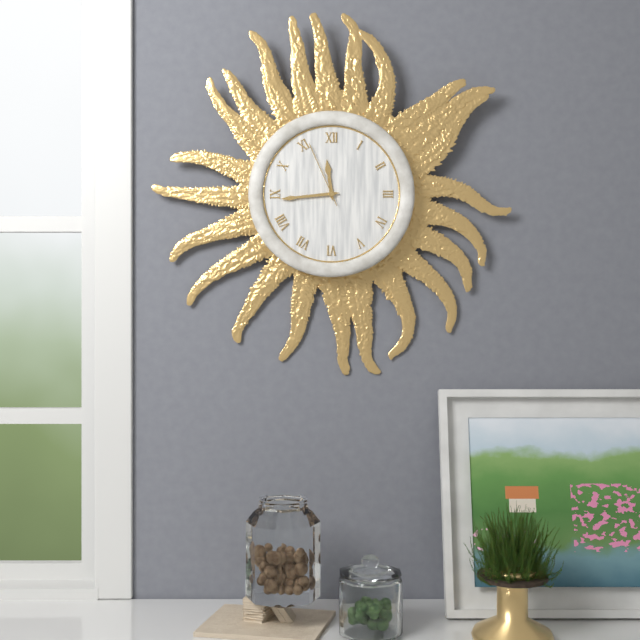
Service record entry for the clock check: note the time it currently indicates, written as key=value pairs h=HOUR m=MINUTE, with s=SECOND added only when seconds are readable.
h=11 m=44 s=56
